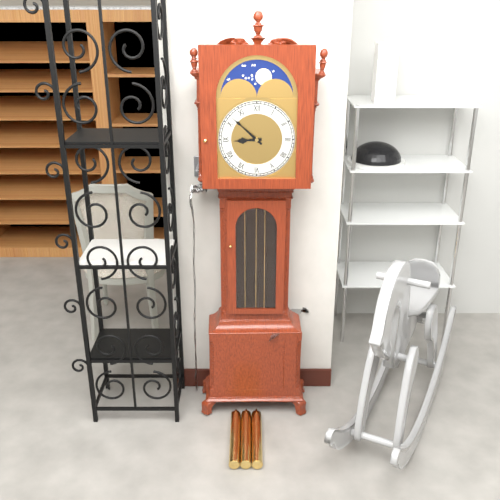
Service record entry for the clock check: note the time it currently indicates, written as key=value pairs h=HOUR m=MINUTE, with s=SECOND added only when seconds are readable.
h=8 m=52
